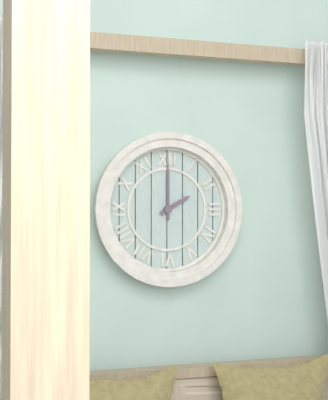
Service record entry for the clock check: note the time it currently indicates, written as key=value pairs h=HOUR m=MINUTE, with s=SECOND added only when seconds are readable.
h=2 m=0
